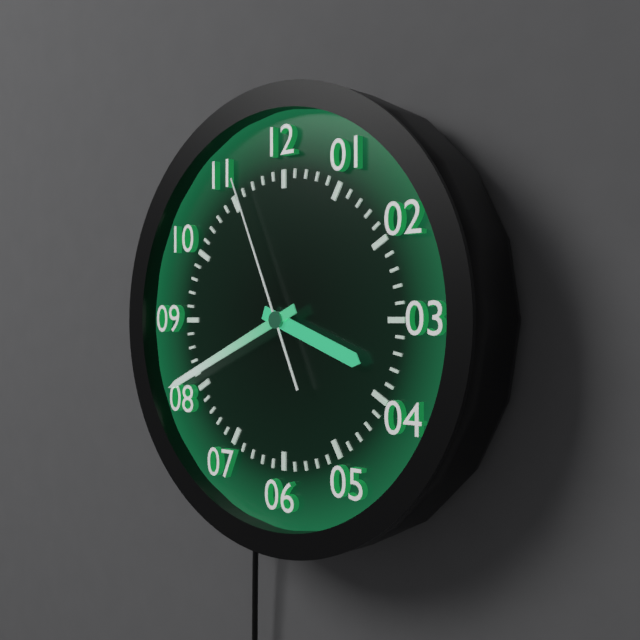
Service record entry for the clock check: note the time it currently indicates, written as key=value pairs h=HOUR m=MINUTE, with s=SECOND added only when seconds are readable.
h=3 m=41 s=56
